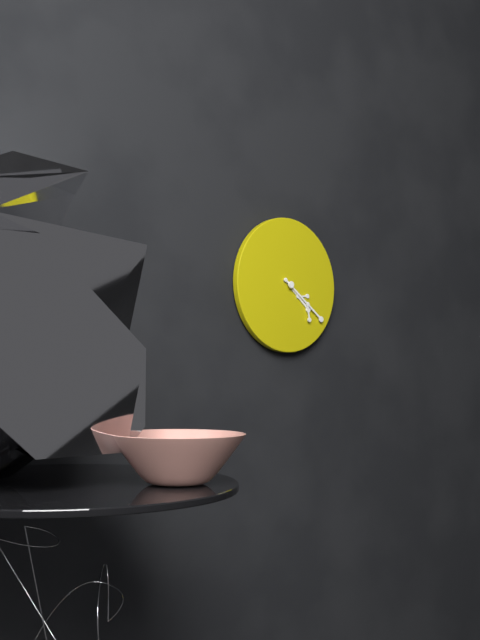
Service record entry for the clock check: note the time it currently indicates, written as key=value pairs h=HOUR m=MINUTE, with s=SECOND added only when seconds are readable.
h=4 m=21
